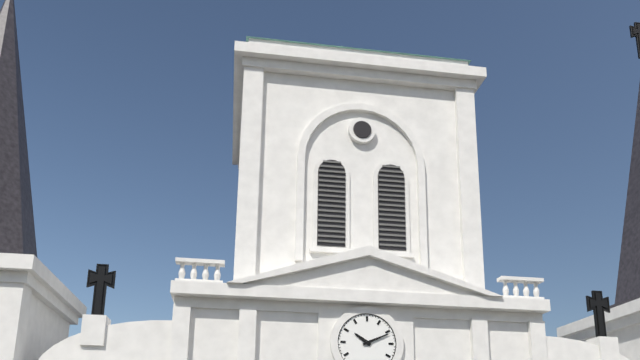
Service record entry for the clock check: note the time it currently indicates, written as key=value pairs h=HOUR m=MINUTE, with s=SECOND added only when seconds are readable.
h=10 m=11
